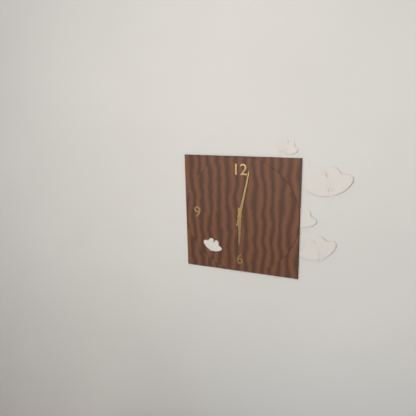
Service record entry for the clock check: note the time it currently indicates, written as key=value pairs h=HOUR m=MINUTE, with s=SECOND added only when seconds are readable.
h=6 m=2
